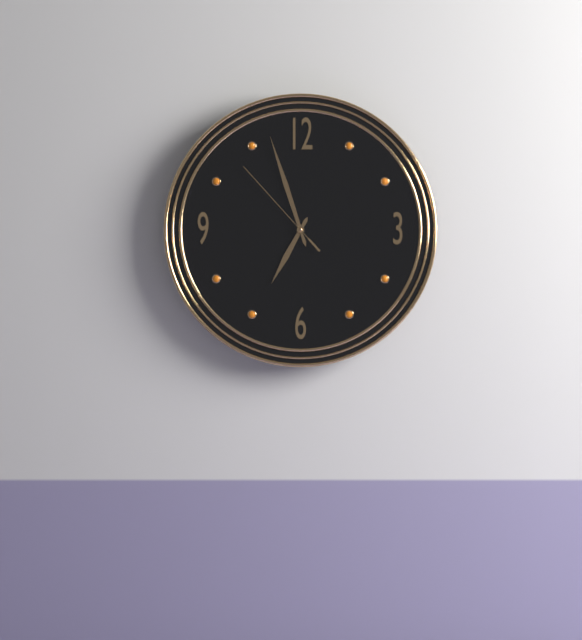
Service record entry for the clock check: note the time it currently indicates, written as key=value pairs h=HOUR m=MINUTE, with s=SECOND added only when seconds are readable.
h=6 m=57 s=53
